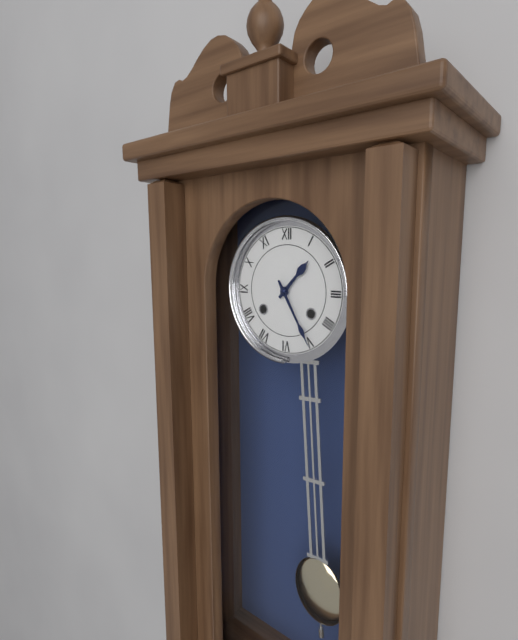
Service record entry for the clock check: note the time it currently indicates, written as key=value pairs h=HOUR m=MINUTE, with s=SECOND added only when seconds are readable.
h=1 m=25
